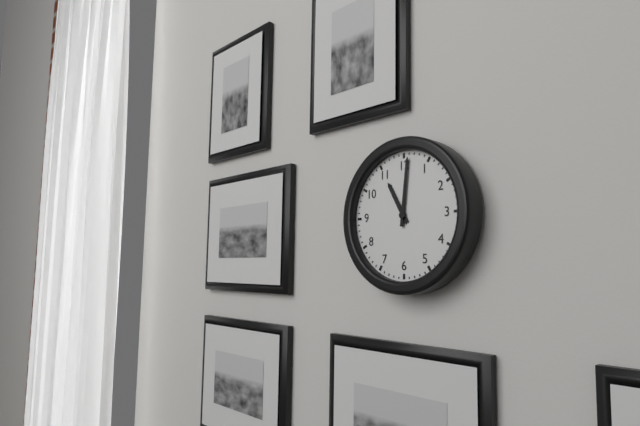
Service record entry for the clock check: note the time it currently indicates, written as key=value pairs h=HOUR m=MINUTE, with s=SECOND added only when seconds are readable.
h=11 m=1
